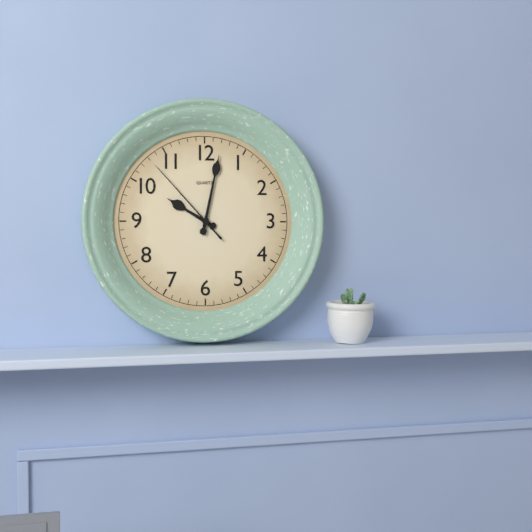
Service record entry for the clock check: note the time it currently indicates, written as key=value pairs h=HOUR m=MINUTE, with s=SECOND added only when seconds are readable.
h=10 m=2 s=53
